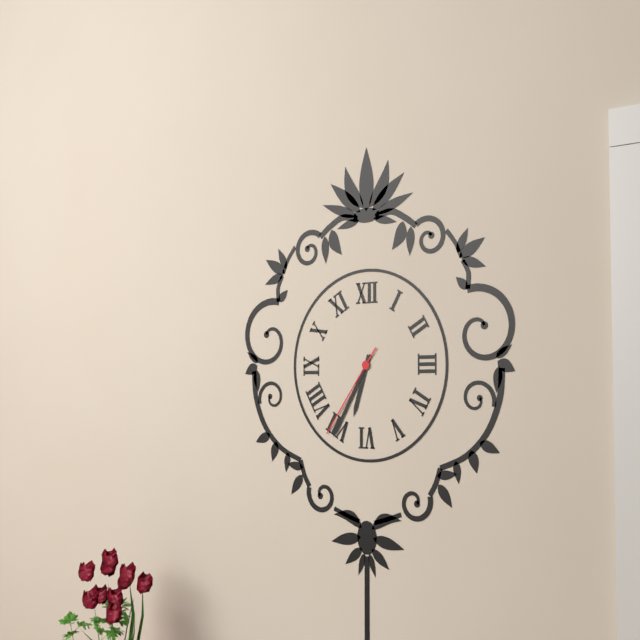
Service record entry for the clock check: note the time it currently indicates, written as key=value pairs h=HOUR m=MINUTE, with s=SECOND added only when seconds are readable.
h=6 m=35 s=36
